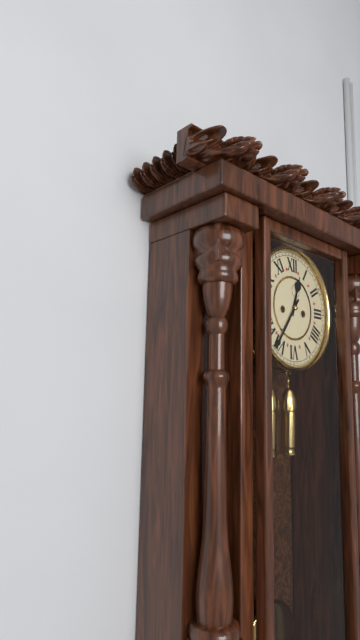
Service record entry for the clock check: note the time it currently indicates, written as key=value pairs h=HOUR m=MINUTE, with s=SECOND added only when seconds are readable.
h=12 m=36
